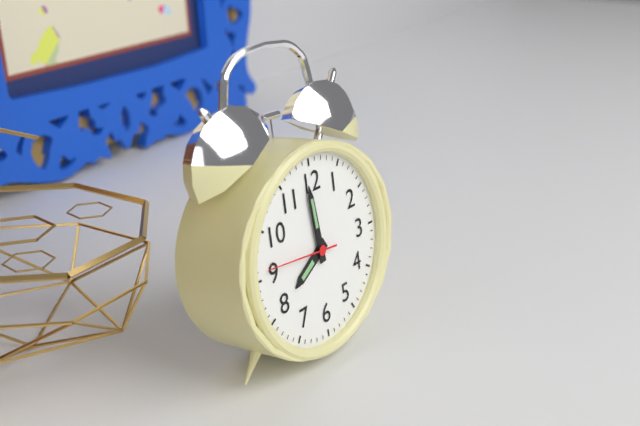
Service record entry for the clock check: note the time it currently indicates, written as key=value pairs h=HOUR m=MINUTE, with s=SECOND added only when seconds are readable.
h=7 m=59 s=46
